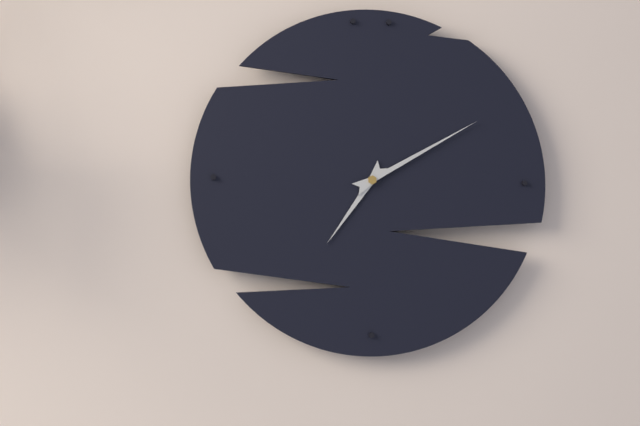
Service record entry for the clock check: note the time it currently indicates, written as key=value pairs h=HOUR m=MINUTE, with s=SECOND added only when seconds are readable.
h=7 m=10
